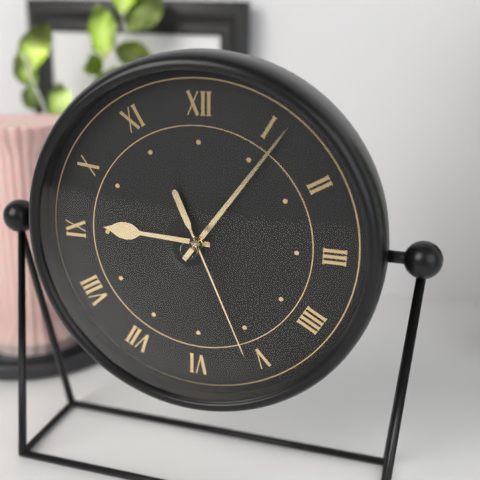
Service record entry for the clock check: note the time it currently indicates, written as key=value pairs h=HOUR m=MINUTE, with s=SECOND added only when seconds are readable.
h=9 m=6 s=26
